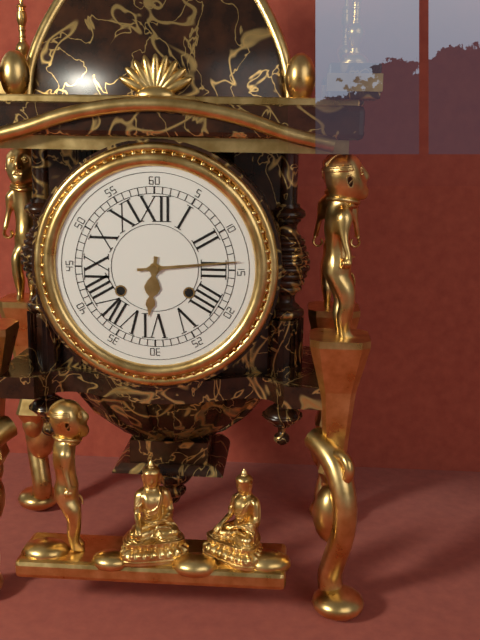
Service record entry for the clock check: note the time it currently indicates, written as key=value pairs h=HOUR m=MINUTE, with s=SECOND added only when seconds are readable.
h=6 m=14
